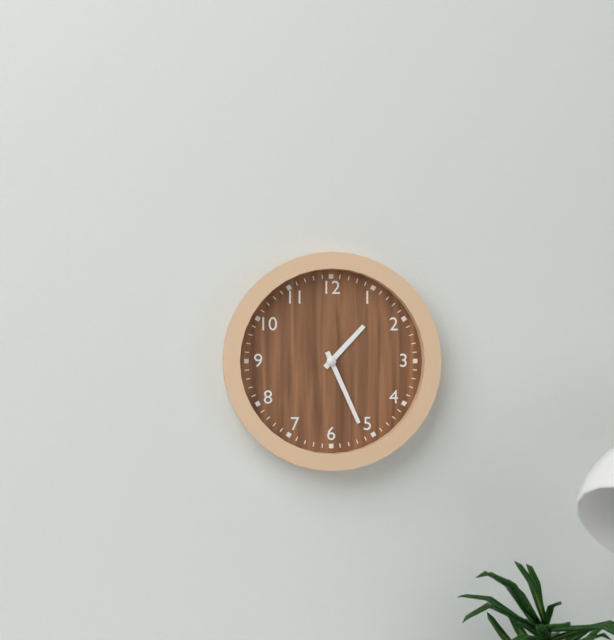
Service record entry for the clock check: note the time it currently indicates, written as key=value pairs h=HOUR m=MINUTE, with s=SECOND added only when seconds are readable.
h=1 m=26
